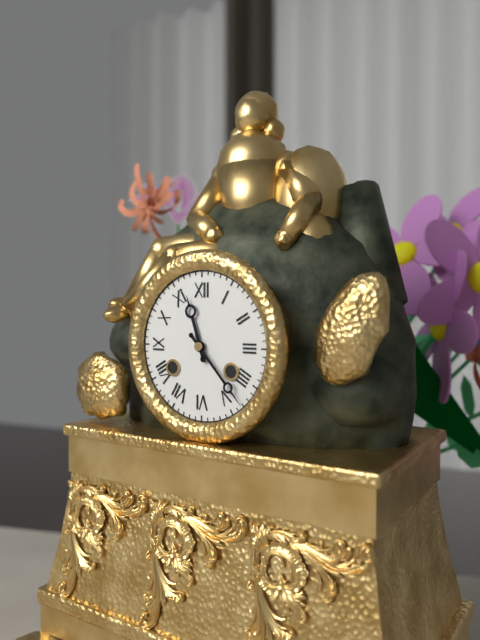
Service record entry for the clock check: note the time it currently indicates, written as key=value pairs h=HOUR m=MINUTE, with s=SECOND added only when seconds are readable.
h=11 m=23
